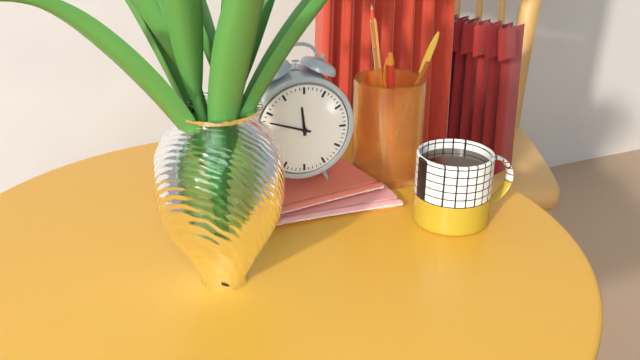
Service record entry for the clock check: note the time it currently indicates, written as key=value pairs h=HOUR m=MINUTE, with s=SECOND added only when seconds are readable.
h=11 m=48
